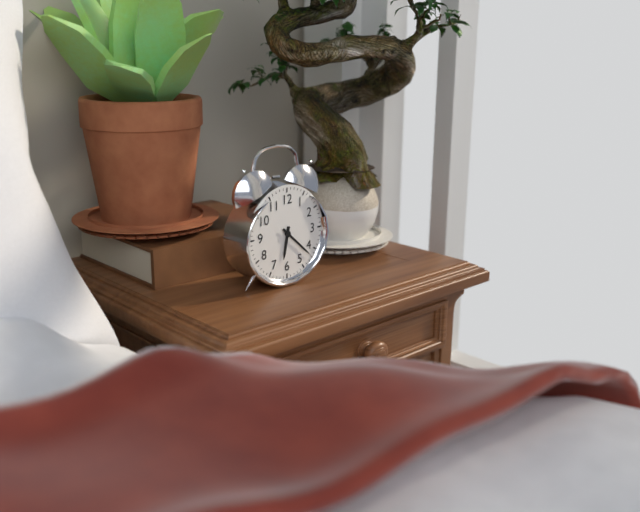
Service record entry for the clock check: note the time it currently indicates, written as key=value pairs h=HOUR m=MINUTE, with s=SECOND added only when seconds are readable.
h=6 m=22
